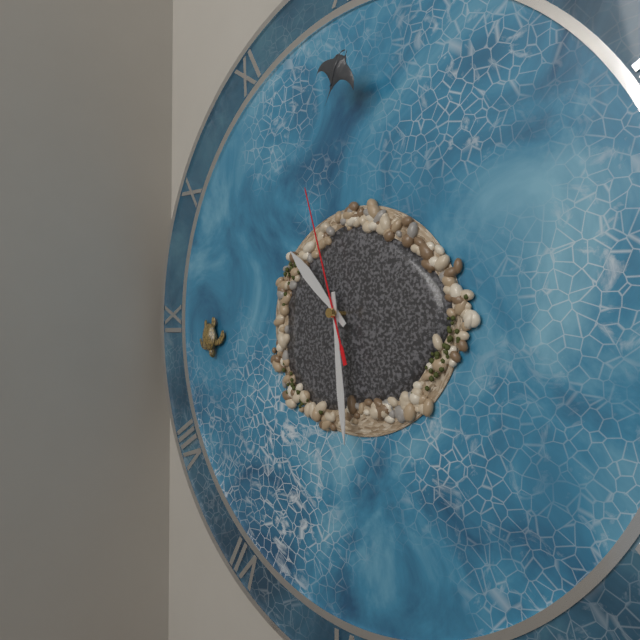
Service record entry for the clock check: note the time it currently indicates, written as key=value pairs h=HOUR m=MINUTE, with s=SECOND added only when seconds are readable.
h=10 m=29 s=57
